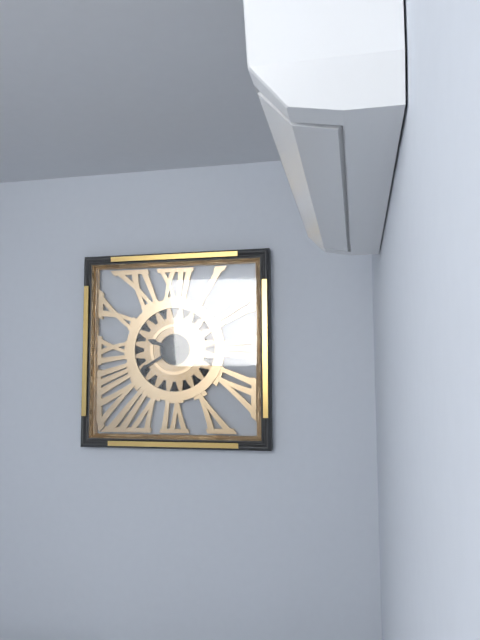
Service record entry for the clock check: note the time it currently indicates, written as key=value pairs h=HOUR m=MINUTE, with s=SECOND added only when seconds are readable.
h=9 m=40
